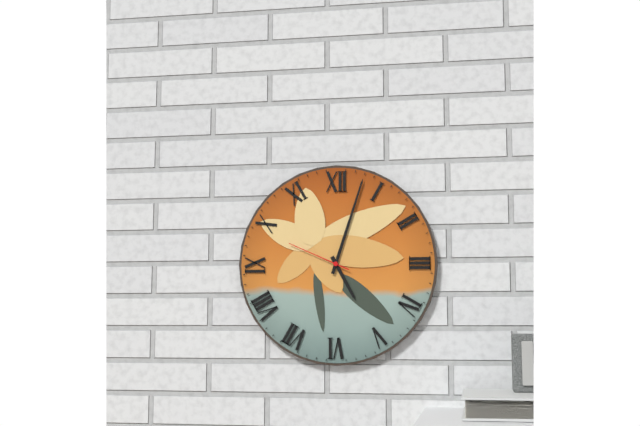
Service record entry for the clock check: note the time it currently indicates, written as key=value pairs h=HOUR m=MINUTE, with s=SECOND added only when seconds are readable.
h=5 m=3 s=49
